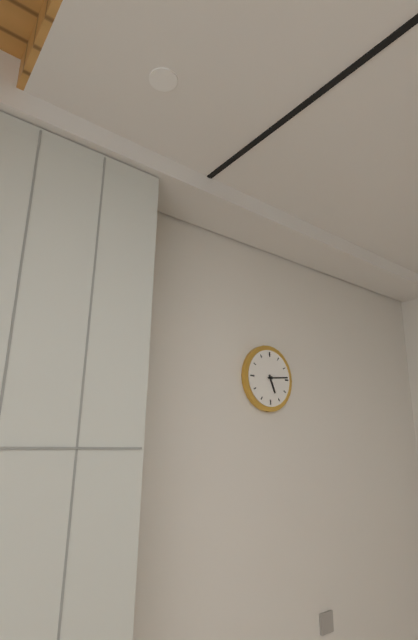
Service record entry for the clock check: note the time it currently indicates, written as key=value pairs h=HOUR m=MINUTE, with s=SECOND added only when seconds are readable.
h=5 m=14
